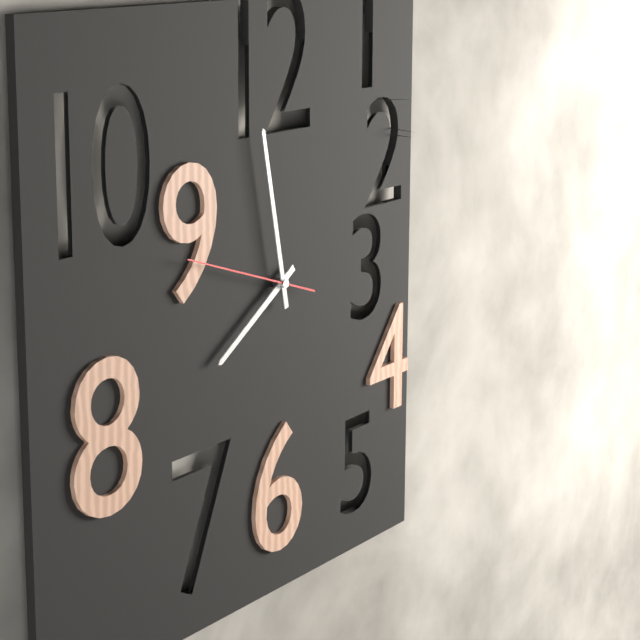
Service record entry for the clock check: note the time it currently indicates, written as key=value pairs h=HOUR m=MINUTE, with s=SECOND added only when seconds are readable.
h=7 m=58 s=48
